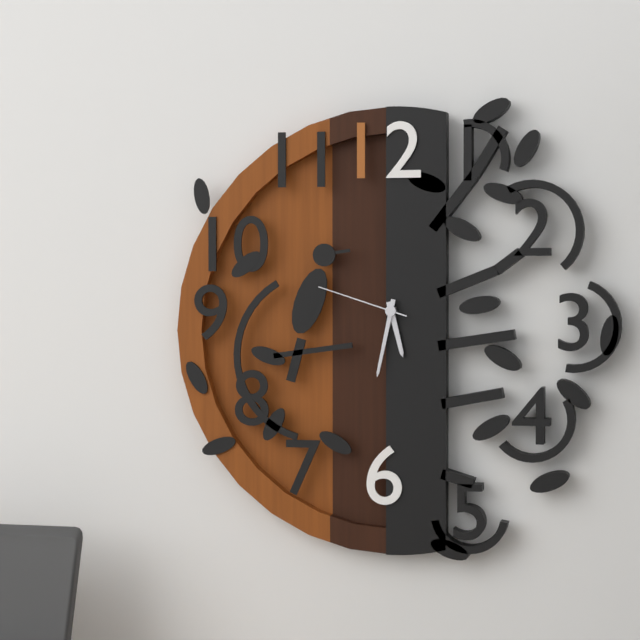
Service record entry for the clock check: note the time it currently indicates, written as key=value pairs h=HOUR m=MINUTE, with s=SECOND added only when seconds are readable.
h=5 m=32 s=48
